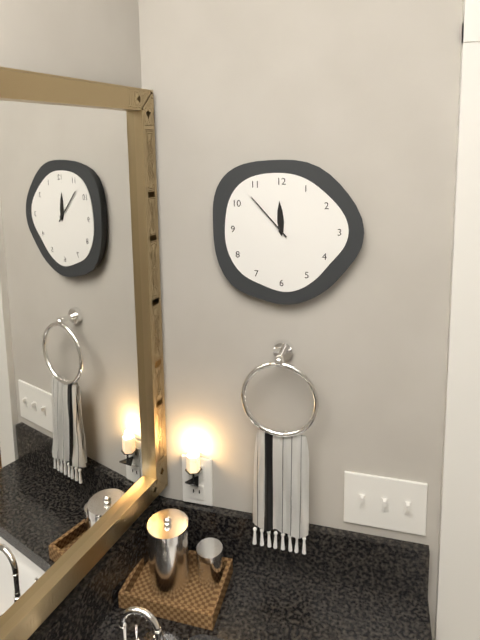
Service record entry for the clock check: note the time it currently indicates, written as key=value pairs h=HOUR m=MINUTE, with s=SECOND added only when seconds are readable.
h=11 m=53
